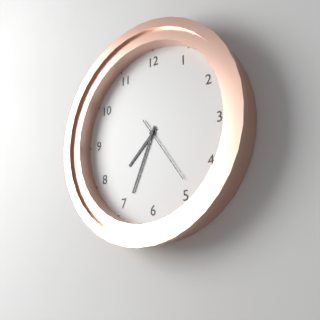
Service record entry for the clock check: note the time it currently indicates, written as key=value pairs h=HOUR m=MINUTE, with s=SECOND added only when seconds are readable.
h=7 m=34 s=24
